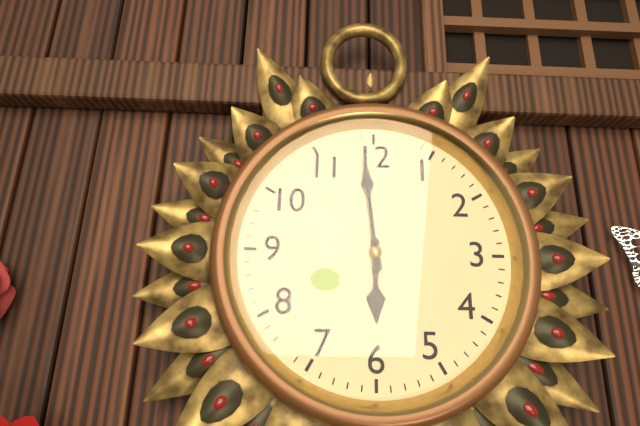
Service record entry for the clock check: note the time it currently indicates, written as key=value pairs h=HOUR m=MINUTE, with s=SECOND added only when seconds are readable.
h=5 m=59
